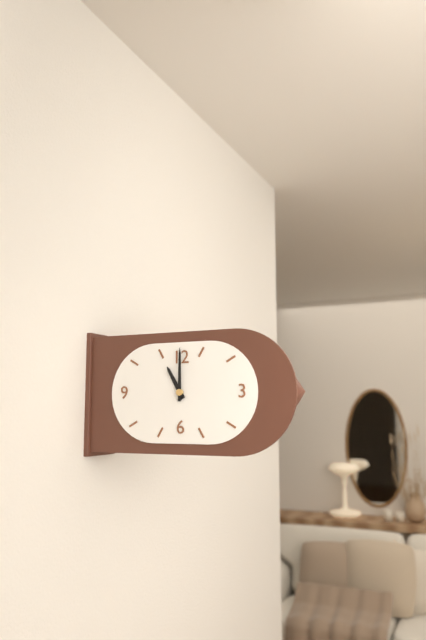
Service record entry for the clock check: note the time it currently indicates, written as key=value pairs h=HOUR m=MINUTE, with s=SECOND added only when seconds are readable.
h=11 m=0
